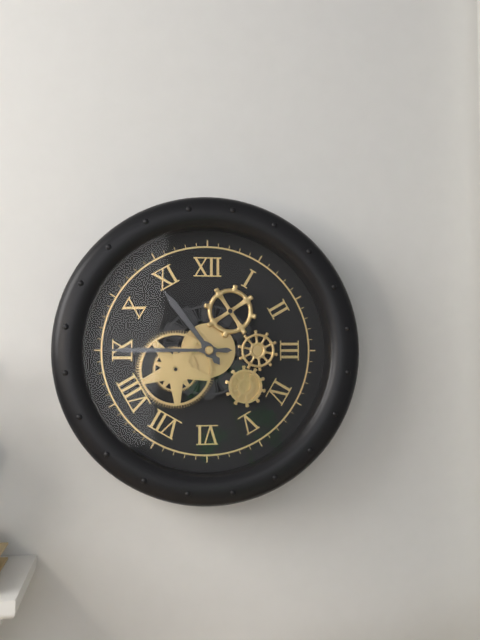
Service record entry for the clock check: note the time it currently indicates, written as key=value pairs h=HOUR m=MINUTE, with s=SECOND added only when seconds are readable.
h=10 m=45
